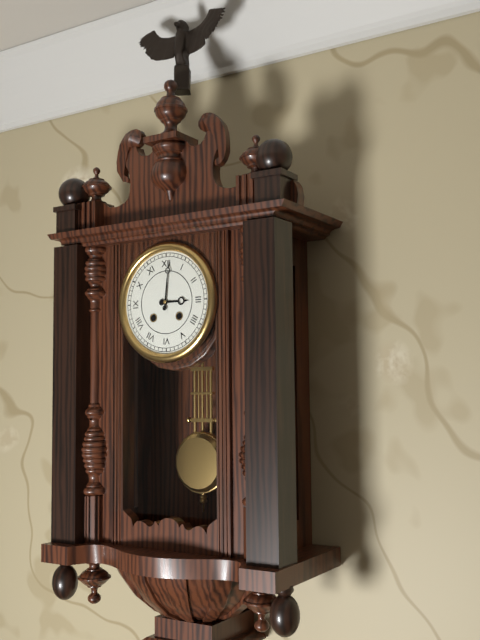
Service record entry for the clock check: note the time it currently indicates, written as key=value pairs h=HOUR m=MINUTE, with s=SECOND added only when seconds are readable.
h=3 m=1
